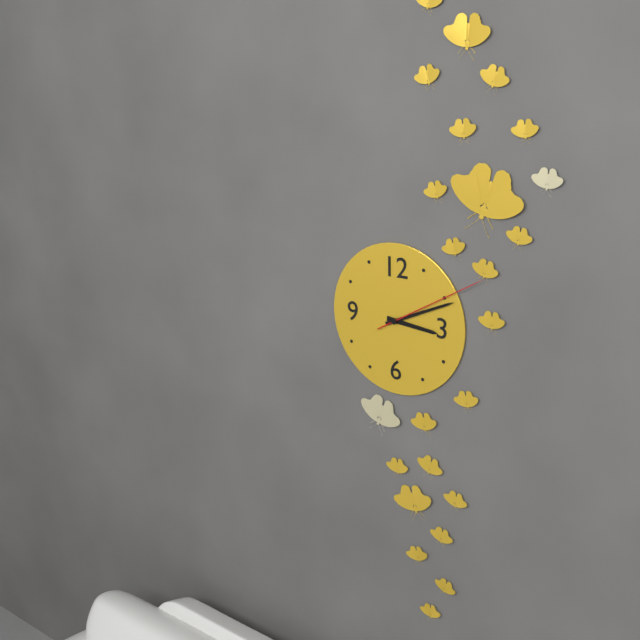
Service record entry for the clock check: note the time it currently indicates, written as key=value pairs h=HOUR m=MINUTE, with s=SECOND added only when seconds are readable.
h=3 m=11 s=10
